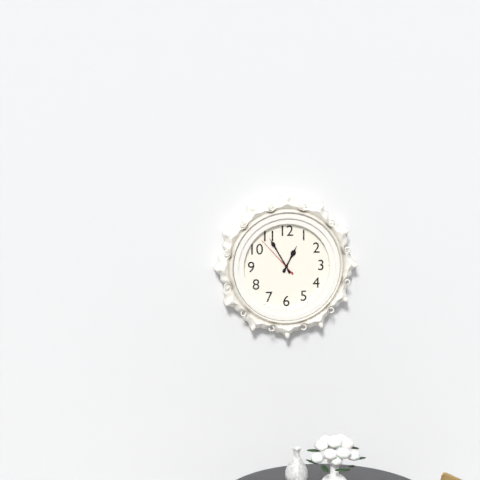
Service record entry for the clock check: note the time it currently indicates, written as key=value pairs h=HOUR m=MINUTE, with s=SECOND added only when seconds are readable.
h=12 m=55
